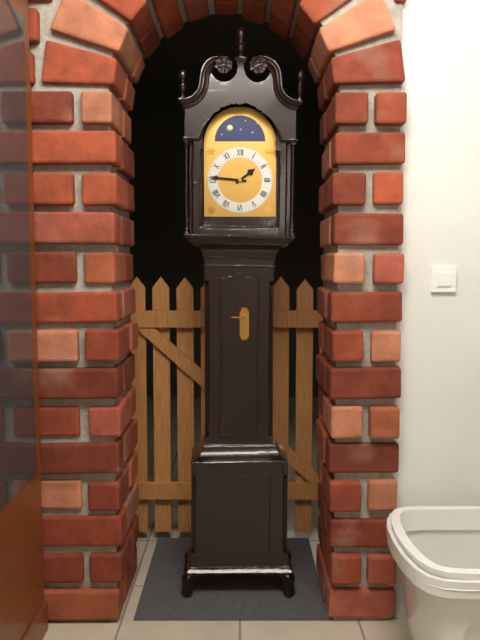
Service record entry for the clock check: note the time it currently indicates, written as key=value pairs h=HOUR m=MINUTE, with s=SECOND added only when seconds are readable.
h=1 m=46
